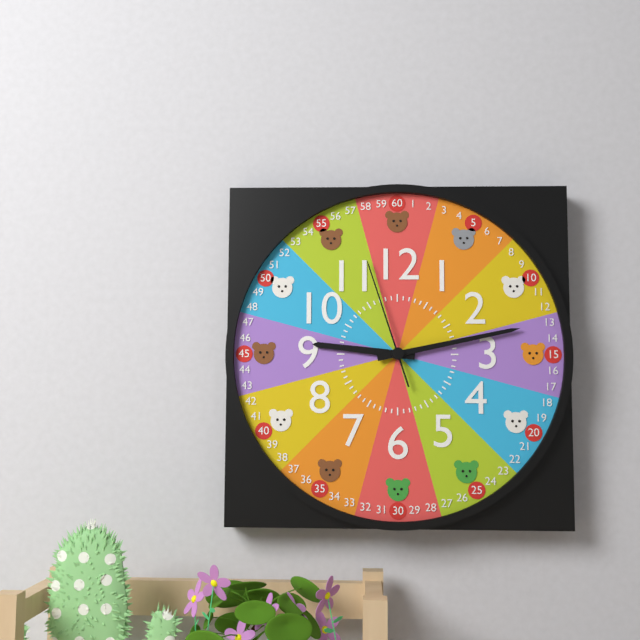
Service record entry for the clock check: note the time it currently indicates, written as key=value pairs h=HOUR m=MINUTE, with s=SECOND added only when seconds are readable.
h=9 m=13 s=57
